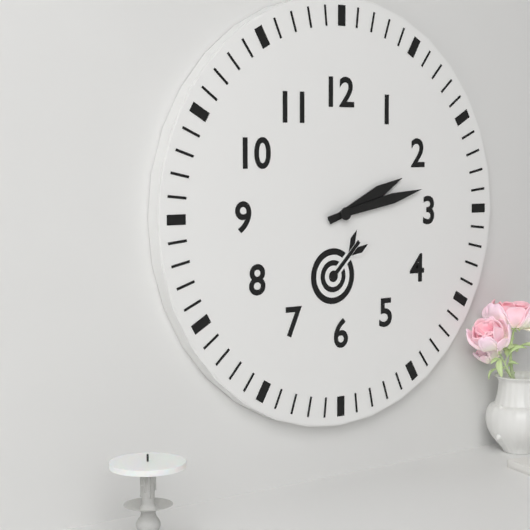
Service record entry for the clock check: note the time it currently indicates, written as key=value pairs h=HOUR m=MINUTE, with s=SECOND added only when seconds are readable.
h=2 m=13
